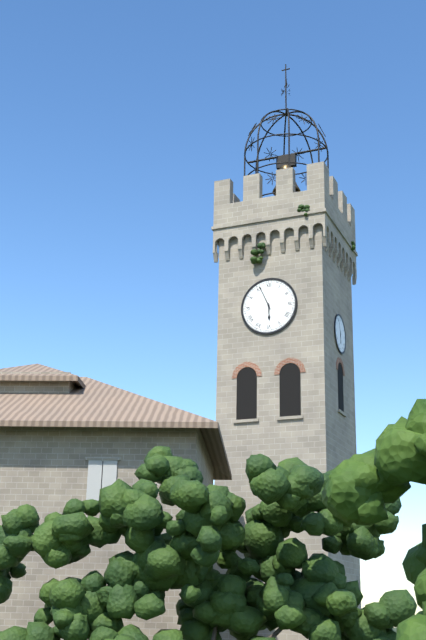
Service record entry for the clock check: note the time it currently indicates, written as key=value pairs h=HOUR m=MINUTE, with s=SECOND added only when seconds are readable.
h=5 m=56
